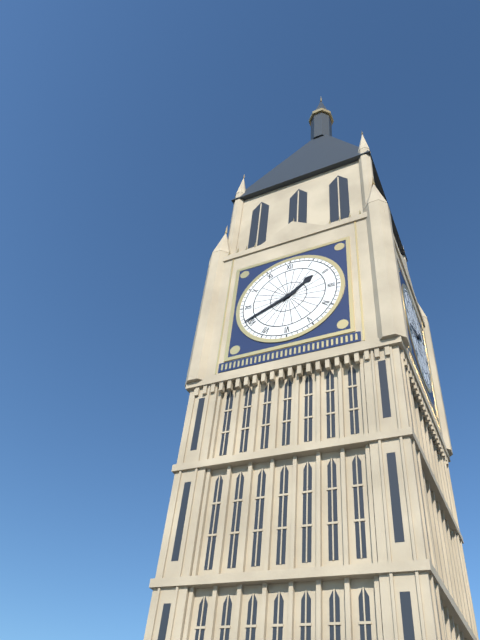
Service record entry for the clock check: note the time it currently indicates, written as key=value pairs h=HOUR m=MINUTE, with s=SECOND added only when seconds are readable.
h=1 m=41
